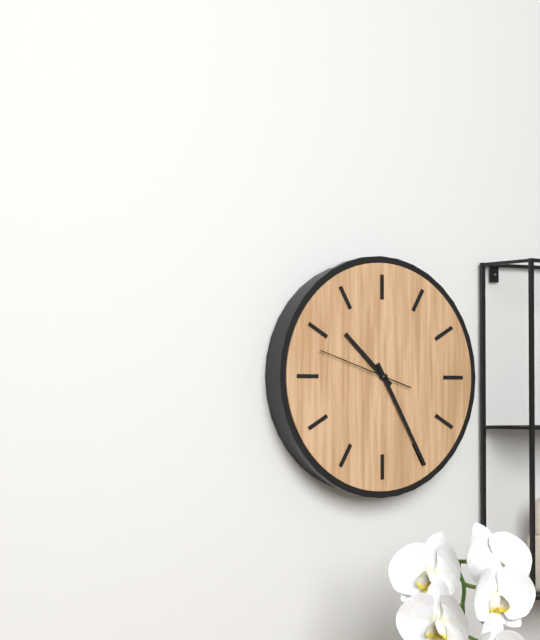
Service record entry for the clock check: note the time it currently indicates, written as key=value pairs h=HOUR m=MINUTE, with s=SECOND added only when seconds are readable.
h=10 m=25 s=48
